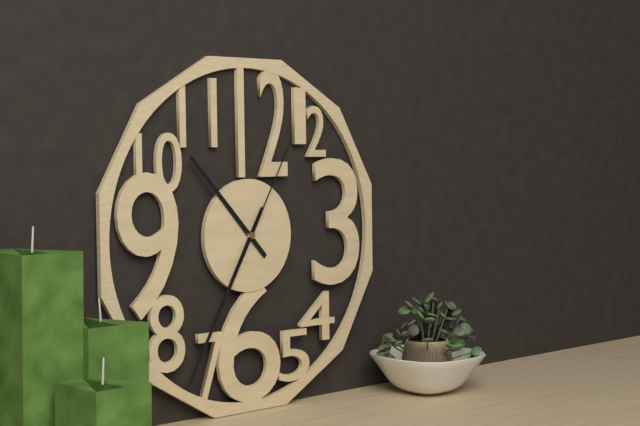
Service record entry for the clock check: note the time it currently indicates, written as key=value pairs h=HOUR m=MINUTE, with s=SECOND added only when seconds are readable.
h=10 m=35 s=5
